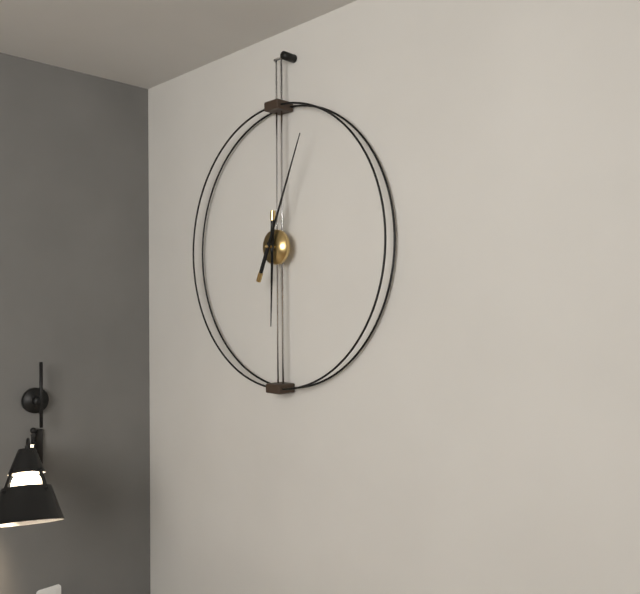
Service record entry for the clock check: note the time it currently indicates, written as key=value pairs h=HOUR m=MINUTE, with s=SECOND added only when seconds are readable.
h=6 m=4
